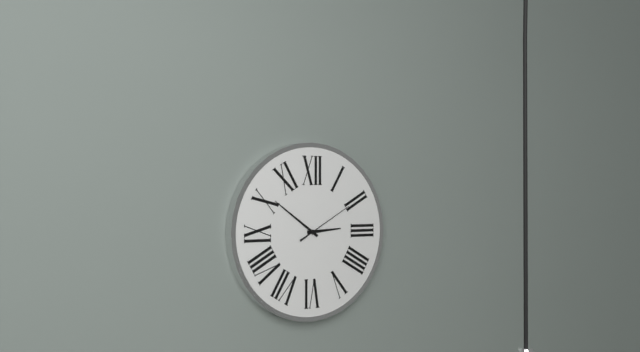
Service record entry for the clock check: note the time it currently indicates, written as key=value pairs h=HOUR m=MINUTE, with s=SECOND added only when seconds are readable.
h=2 m=51 s=10
